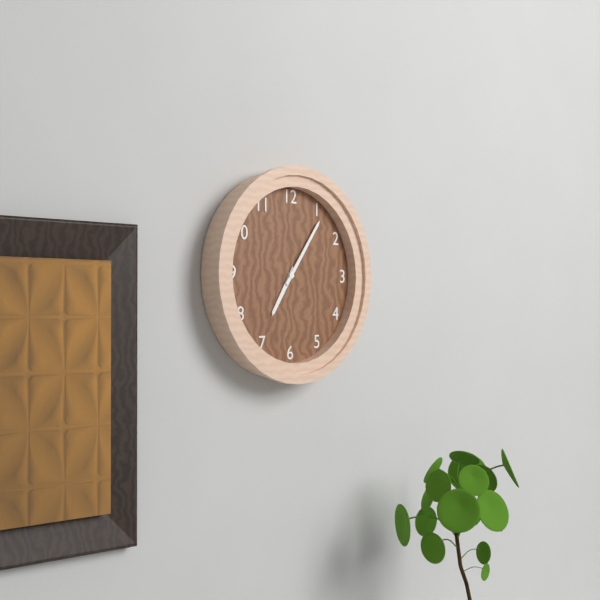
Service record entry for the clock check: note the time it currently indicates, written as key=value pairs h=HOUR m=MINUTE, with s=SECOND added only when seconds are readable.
h=7 m=6
